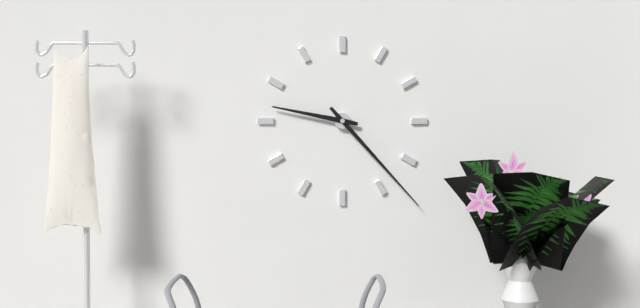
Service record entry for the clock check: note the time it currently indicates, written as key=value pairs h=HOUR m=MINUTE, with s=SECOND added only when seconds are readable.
h=9 m=23
